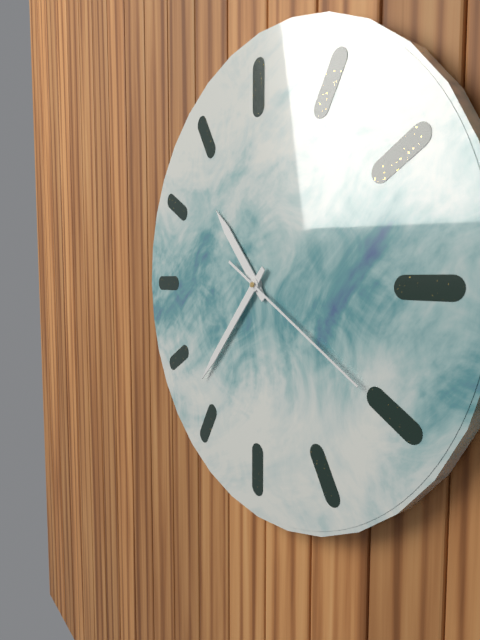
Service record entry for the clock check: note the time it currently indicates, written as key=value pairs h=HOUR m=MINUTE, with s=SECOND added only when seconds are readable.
h=10 m=37 s=20
